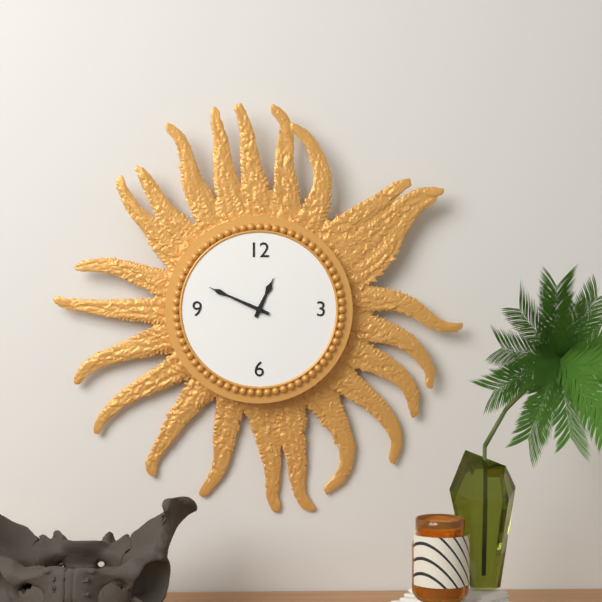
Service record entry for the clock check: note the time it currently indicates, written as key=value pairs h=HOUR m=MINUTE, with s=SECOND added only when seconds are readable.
h=12 m=49
